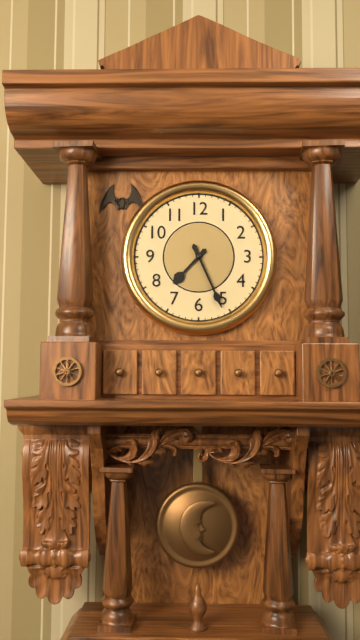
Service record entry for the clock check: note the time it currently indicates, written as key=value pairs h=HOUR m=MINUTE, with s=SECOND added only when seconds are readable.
h=7 m=26
